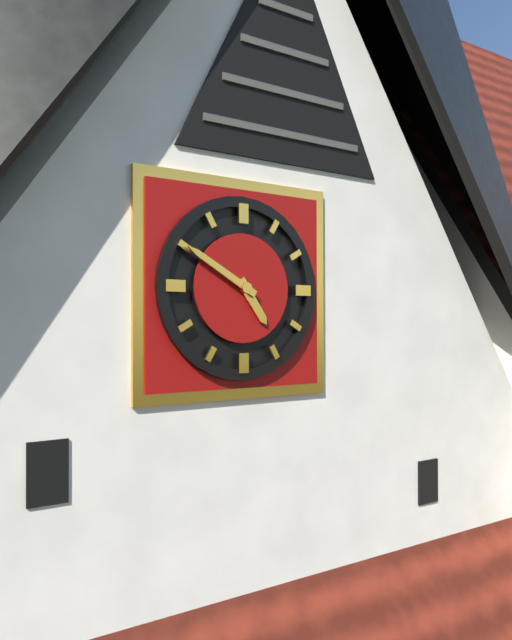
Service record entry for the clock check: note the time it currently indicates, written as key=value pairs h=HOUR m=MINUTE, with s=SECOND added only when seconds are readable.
h=4 m=50
